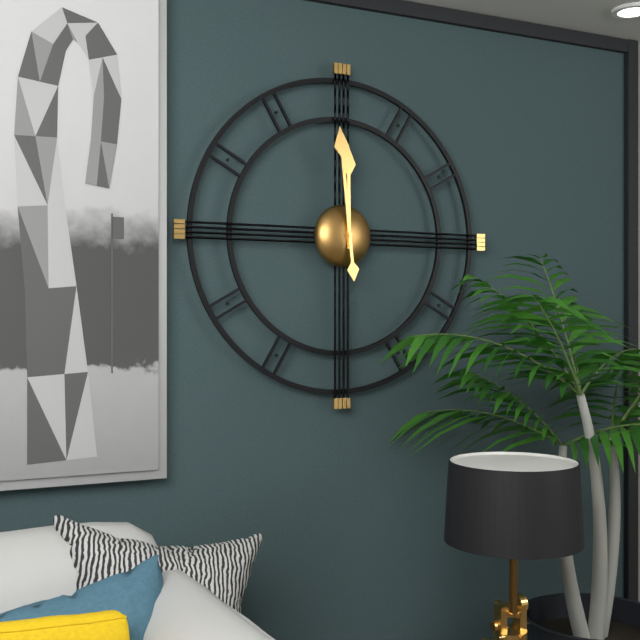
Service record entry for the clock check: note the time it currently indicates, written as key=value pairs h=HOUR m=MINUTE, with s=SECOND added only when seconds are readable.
h=11 m=59
